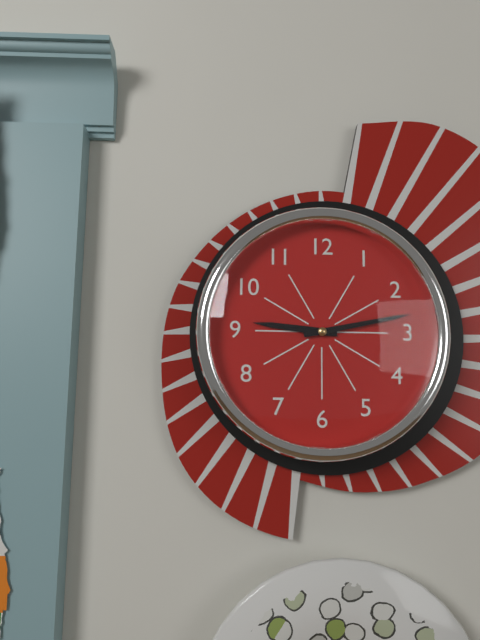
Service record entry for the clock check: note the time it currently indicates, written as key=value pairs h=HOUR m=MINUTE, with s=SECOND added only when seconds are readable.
h=9 m=13
